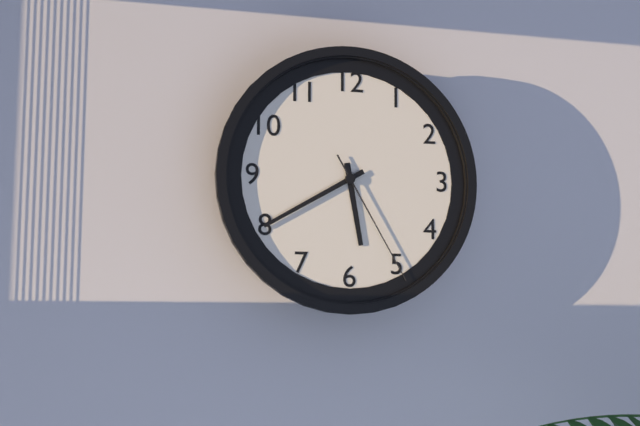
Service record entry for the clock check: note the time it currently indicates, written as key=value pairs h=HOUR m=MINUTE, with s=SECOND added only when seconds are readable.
h=5 m=40 s=25
